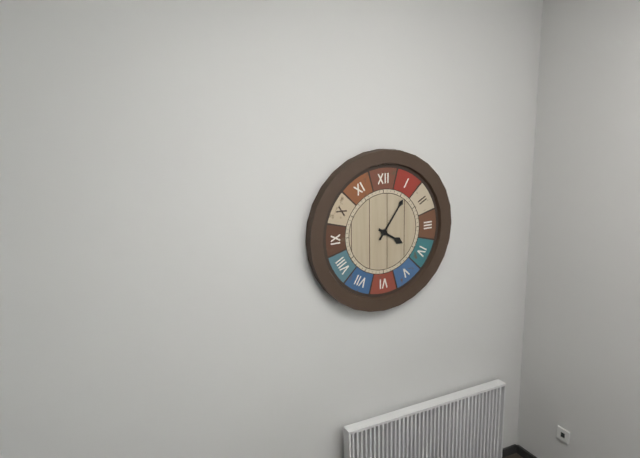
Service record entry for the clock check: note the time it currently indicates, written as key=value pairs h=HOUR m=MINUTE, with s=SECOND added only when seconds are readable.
h=4 m=6
